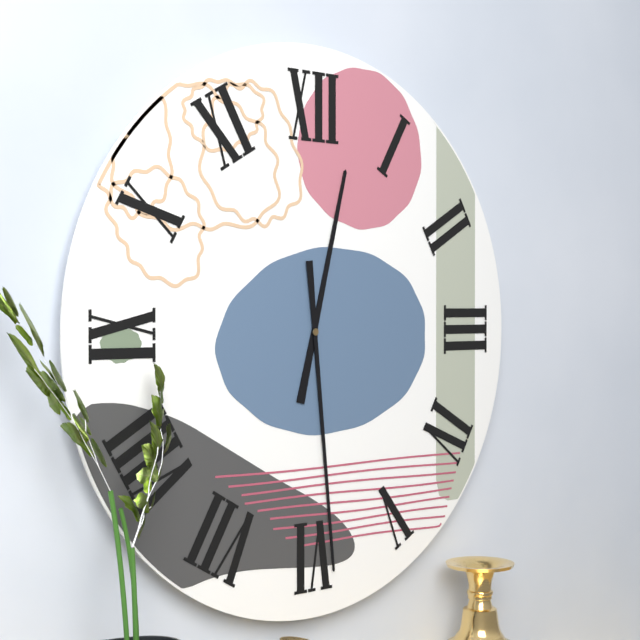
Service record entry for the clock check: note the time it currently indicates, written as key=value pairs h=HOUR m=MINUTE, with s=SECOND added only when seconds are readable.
h=12 m=29
